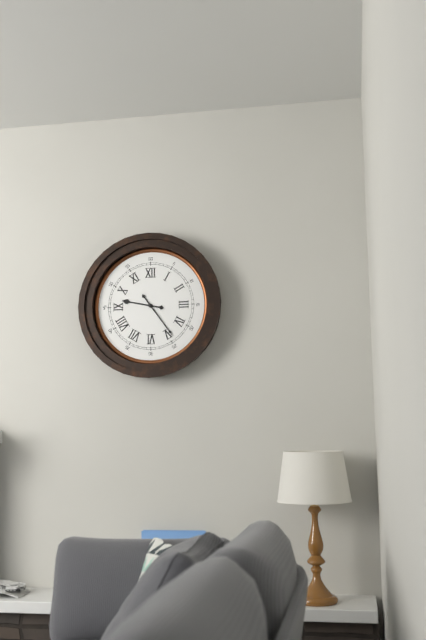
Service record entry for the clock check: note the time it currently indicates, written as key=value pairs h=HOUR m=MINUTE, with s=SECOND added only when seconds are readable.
h=9 m=24
